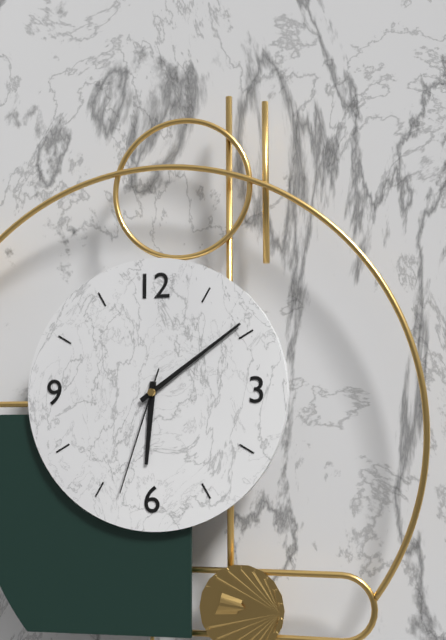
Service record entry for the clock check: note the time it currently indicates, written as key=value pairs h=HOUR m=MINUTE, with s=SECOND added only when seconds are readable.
h=6 m=9 s=33
